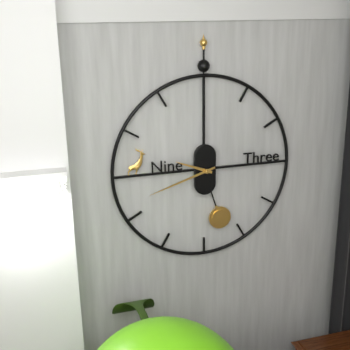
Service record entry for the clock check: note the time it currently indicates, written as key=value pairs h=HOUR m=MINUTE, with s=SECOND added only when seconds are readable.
h=9 m=42
